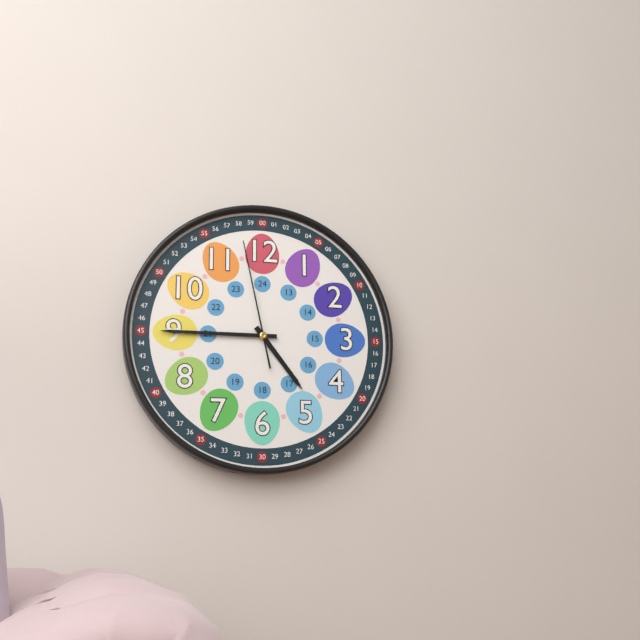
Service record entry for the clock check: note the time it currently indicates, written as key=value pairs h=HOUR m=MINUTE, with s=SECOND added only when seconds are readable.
h=4 m=45 s=58
